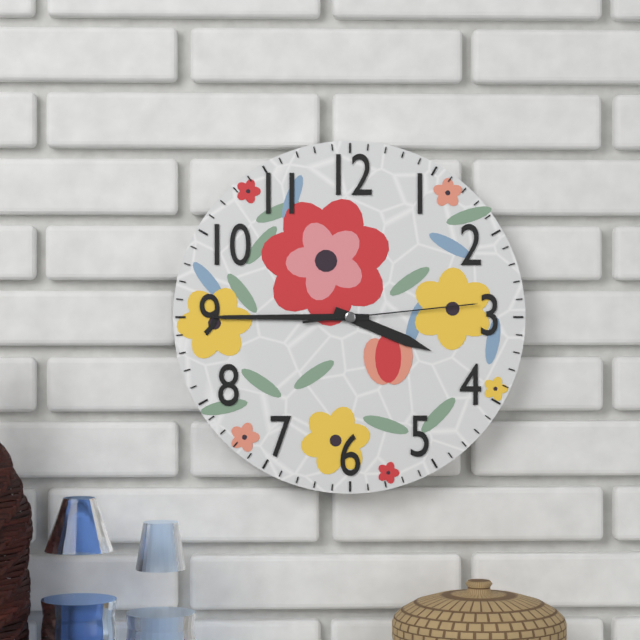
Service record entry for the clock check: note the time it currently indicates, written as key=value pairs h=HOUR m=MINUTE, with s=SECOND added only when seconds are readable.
h=3 m=45 s=14
